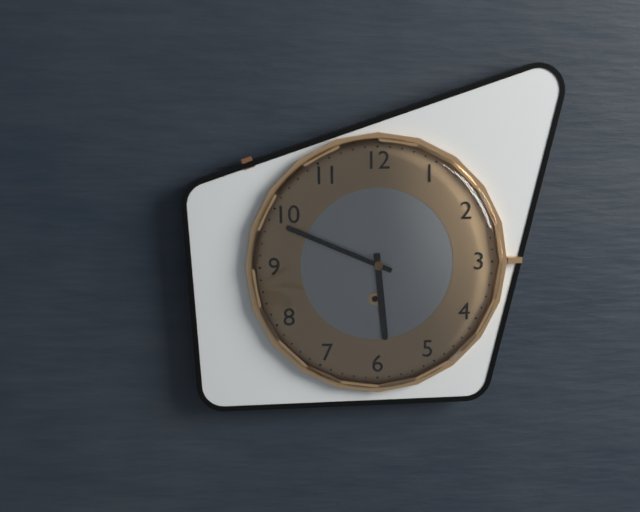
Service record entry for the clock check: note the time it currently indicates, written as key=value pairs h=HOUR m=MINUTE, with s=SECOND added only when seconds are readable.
h=5 m=49
